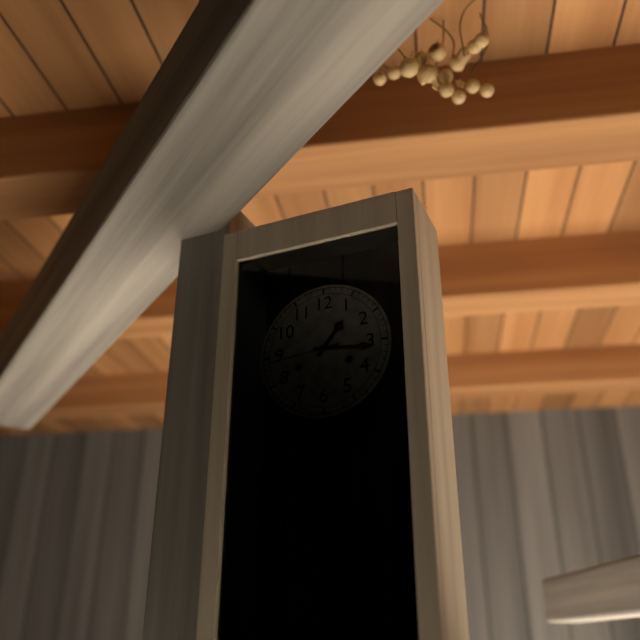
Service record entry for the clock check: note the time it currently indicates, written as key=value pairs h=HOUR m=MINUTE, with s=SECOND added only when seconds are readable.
h=1 m=16 s=44
